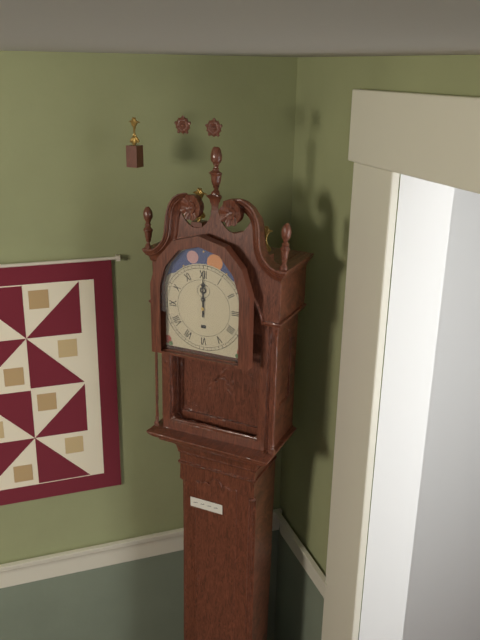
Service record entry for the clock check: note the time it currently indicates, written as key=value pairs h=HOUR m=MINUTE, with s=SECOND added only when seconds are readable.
h=12 m=0
